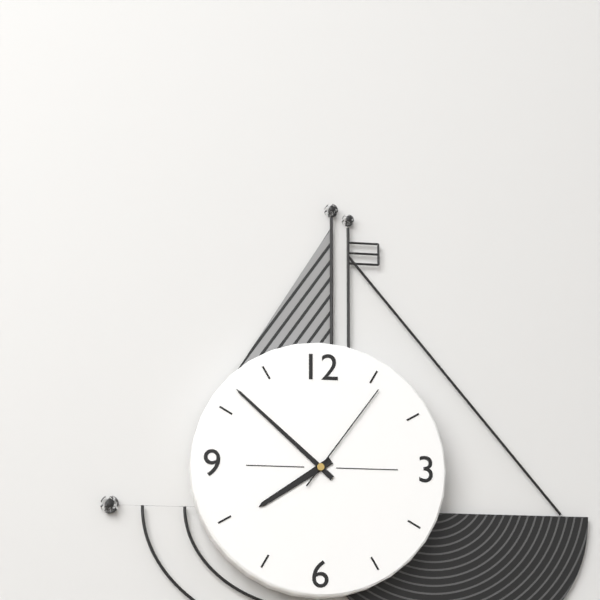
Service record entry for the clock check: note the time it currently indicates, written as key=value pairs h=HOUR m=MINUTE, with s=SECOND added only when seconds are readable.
h=7 m=52 s=6
